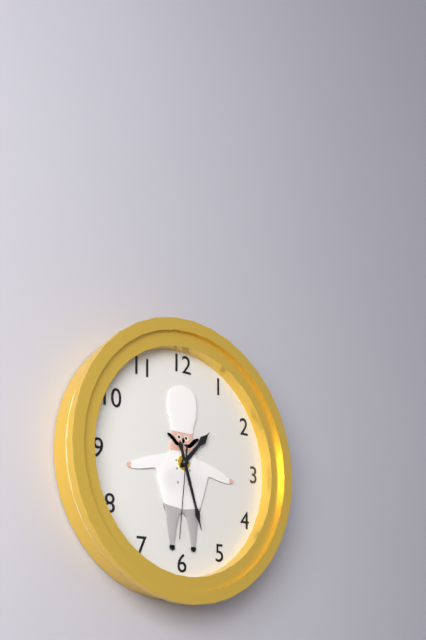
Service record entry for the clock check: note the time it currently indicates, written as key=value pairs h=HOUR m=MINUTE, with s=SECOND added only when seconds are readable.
h=1 m=27 s=31
